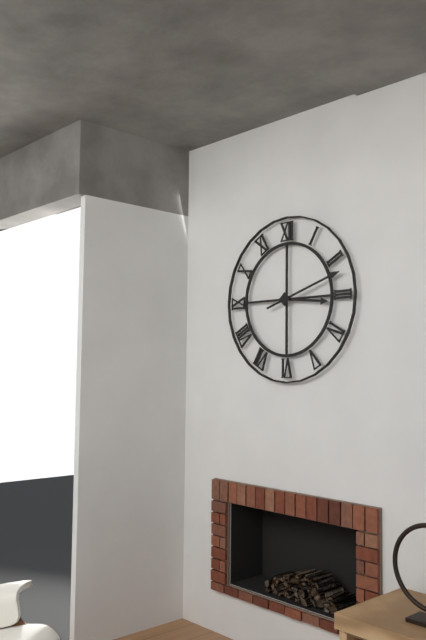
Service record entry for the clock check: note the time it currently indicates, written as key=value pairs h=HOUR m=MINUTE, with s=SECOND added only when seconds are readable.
h=3 m=12
